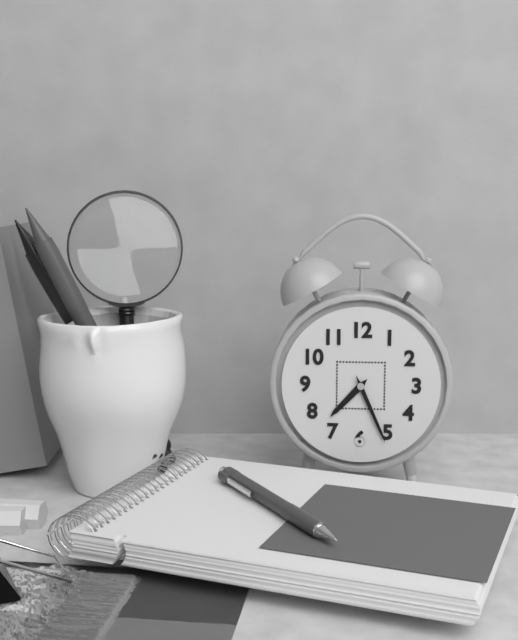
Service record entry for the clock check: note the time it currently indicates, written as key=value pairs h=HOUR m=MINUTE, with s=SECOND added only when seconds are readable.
h=7 m=26
